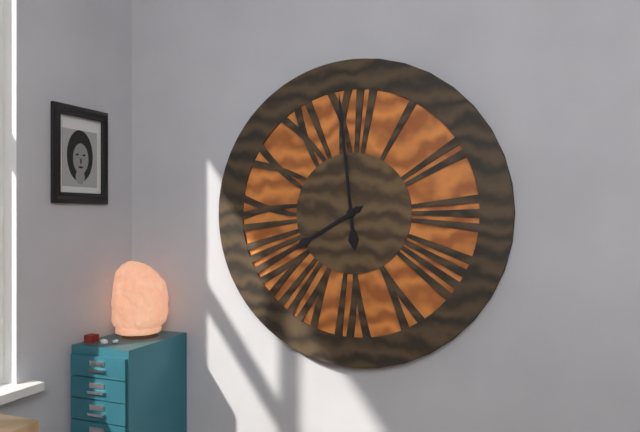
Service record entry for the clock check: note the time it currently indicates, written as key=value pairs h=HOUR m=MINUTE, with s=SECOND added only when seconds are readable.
h=7 m=59
